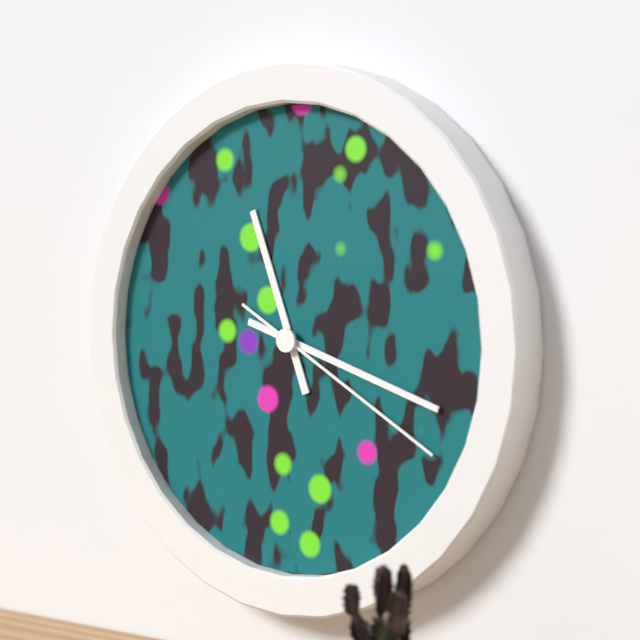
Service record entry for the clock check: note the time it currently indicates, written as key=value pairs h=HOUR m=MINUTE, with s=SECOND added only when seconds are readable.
h=11 m=18 s=20
